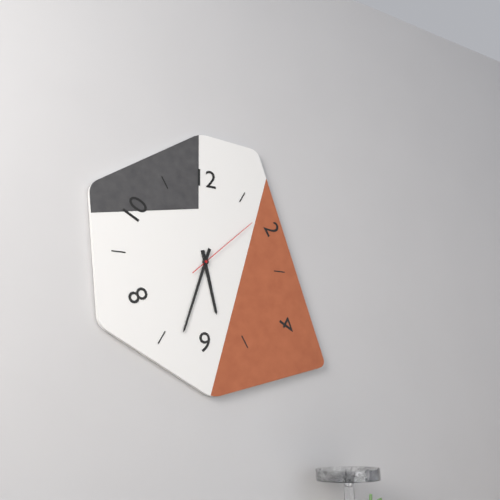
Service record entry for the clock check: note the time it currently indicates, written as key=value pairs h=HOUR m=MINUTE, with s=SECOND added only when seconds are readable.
h=5 m=33 s=8
